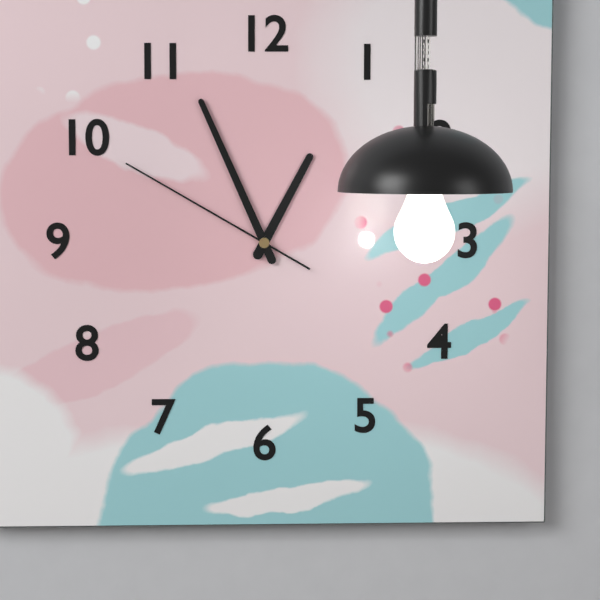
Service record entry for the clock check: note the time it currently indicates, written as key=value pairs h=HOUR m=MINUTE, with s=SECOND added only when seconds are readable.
h=12 m=56 s=50
